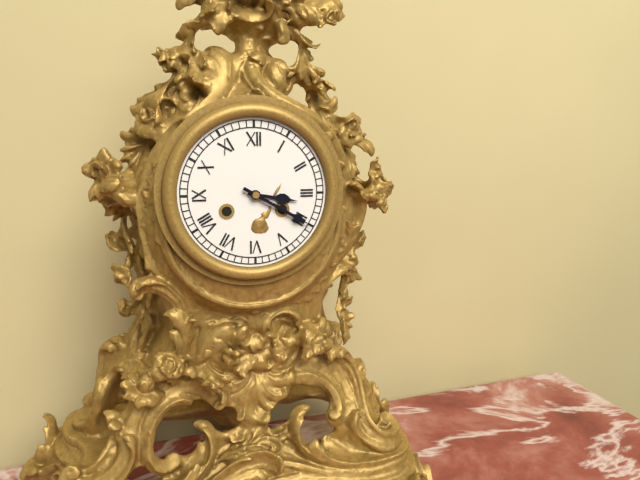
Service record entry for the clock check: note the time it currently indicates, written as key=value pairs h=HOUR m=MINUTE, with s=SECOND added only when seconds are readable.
h=3 m=20
